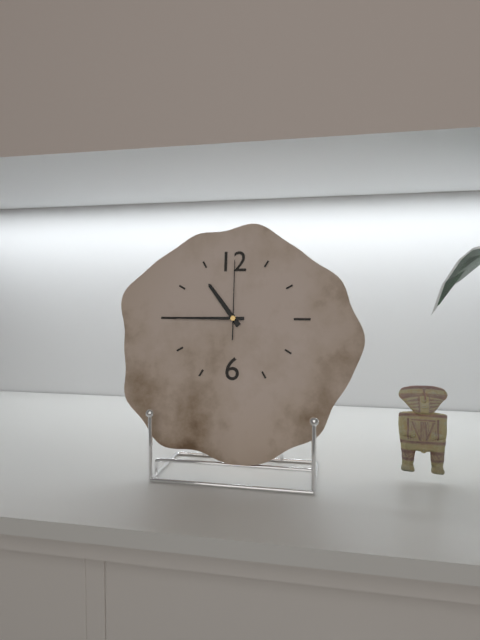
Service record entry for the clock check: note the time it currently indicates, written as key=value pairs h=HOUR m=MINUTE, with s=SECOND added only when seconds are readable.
h=10 m=45 s=0
